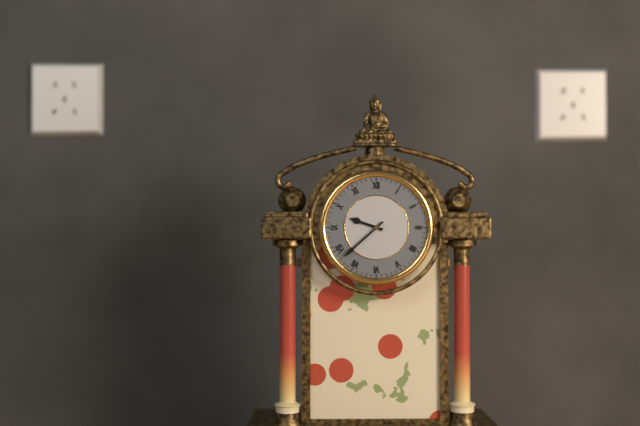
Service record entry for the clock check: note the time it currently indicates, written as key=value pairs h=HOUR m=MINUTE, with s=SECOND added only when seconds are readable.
h=9 m=38
